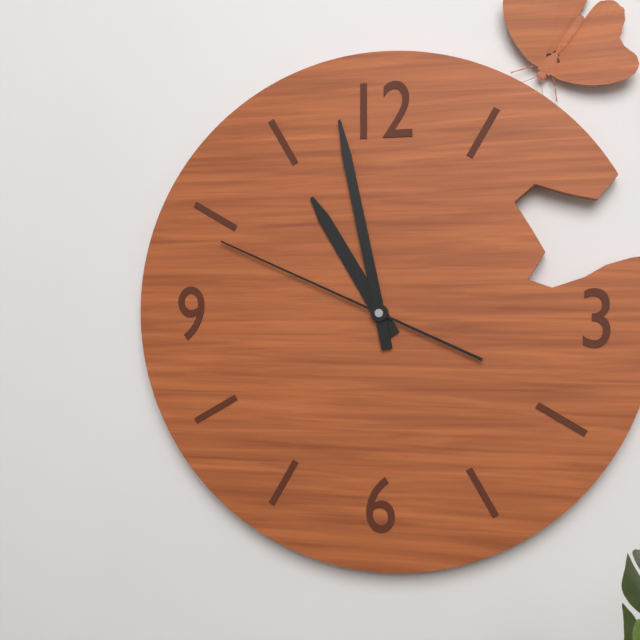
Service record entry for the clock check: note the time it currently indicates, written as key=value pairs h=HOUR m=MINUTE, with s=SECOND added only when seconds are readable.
h=10 m=58 s=49
